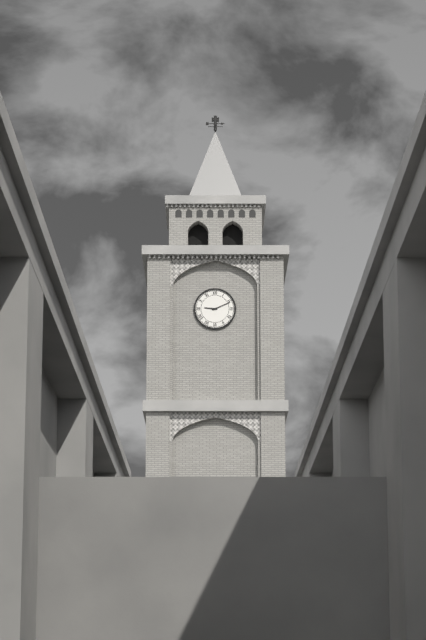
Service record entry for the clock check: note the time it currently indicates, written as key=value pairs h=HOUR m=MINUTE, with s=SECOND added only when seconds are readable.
h=9 m=11
